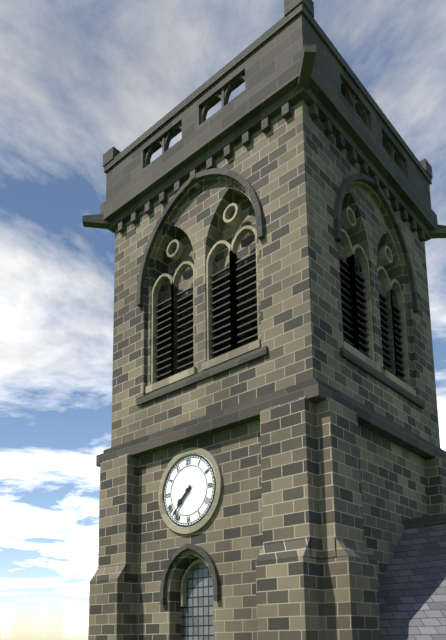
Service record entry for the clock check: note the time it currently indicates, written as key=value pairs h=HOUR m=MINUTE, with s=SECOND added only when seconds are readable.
h=7 m=37
